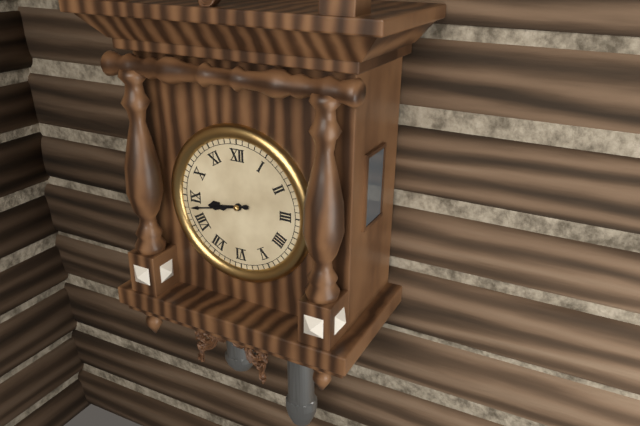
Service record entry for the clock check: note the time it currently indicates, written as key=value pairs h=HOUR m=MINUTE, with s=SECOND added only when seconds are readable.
h=8 m=43
